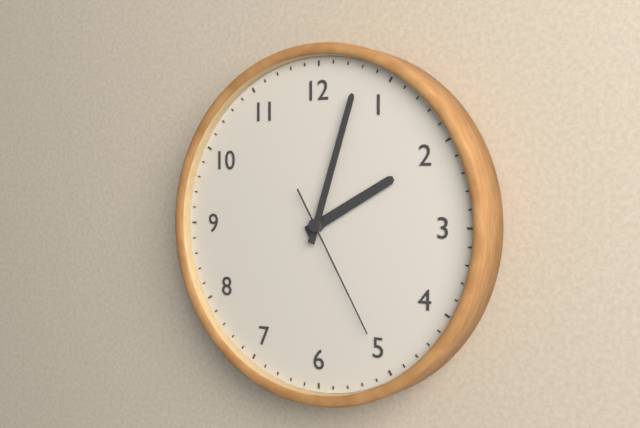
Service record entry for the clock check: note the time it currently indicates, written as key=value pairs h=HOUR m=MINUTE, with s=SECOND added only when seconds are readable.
h=2 m=3 s=25
